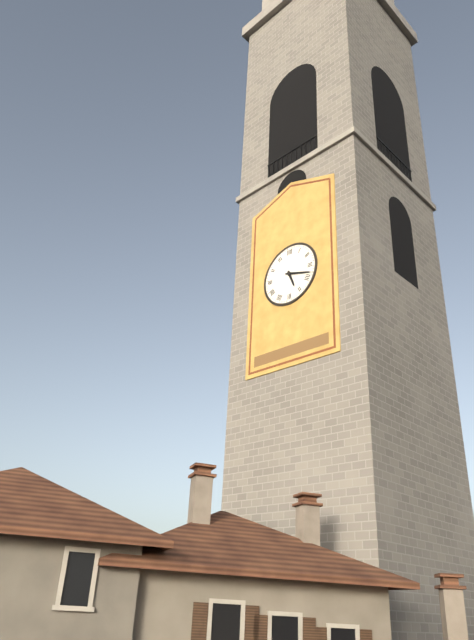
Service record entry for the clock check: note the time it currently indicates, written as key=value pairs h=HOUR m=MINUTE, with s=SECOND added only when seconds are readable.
h=5 m=18
